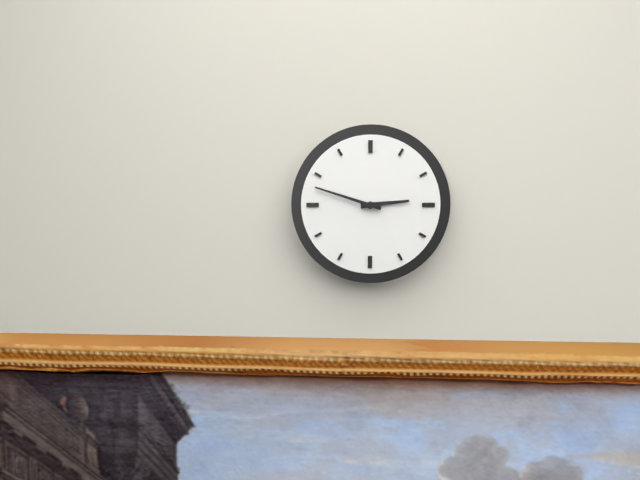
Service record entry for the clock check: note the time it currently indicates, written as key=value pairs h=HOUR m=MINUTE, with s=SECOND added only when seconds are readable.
h=2 m=48
